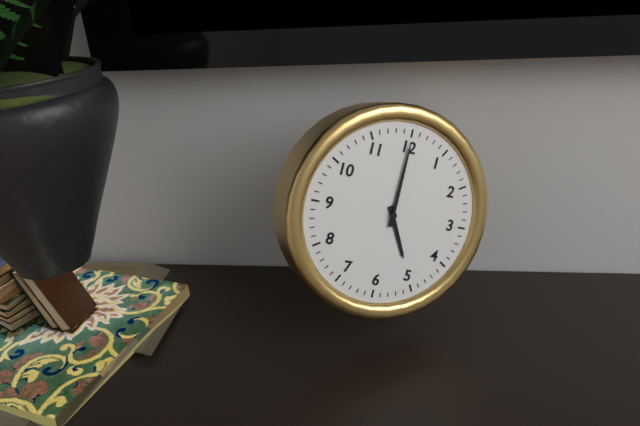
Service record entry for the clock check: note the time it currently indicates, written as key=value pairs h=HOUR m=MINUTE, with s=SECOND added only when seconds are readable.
h=5 m=0
